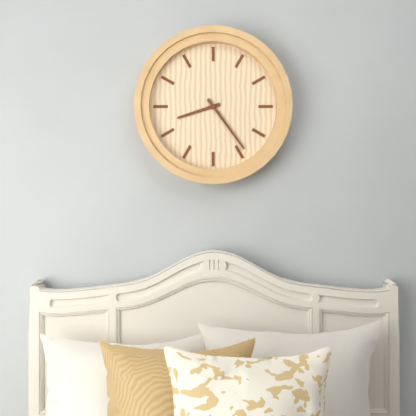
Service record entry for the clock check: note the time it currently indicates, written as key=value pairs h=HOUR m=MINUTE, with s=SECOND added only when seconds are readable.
h=8 m=24
